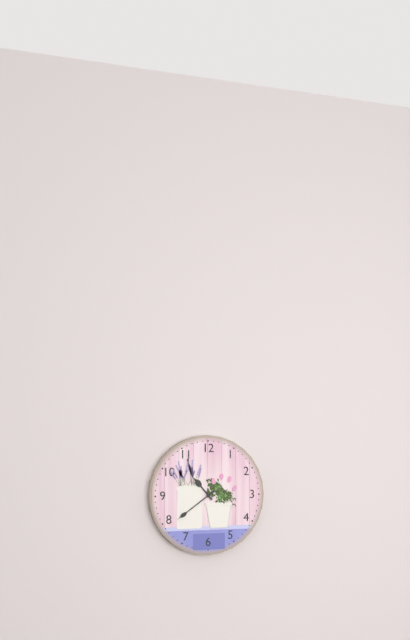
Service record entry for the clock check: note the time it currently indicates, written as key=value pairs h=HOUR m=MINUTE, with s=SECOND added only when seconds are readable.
h=10 m=39
